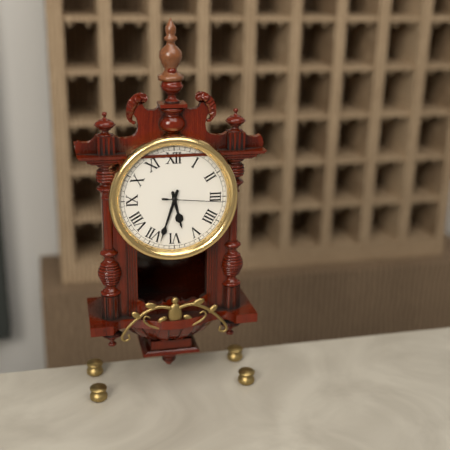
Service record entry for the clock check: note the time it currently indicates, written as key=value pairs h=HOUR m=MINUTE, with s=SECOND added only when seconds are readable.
h=5 m=33 s=16
